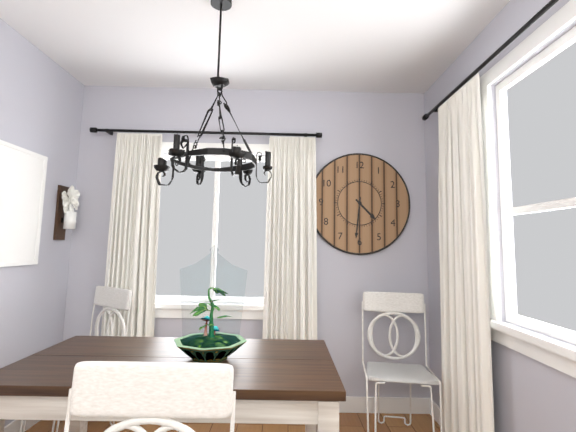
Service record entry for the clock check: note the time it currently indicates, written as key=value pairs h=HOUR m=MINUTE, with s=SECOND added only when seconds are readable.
h=4 m=31
